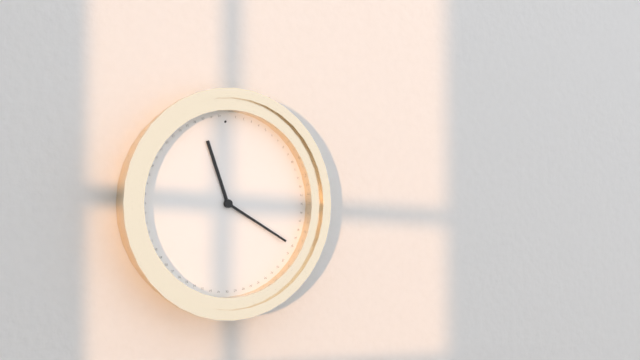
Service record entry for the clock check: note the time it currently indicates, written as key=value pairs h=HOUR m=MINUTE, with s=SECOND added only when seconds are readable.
h=11 m=20
